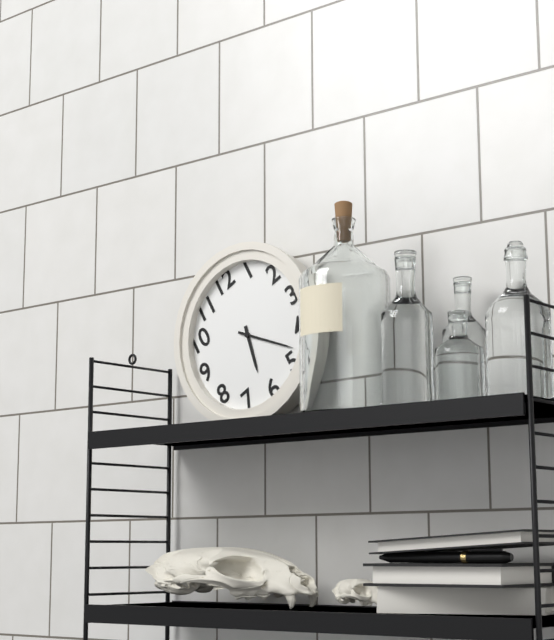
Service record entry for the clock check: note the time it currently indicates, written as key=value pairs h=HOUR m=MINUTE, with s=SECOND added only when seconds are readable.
h=6 m=23
